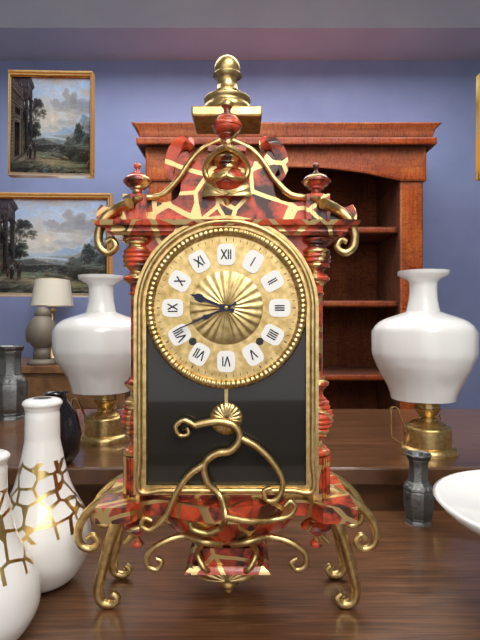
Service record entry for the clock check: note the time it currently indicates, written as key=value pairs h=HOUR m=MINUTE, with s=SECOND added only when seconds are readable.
h=9 m=41
